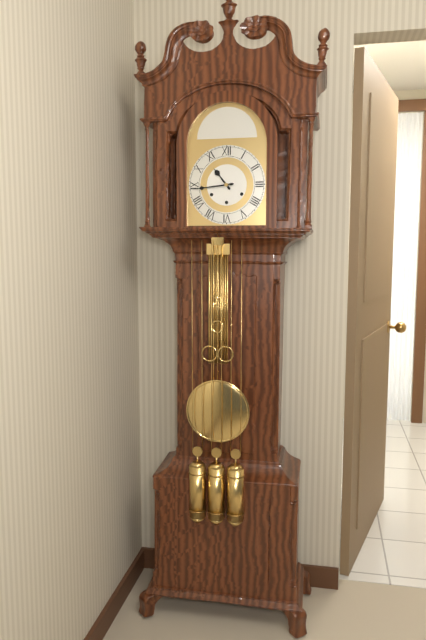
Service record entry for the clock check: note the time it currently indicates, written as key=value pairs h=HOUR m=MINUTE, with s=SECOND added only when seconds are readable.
h=10 m=44
